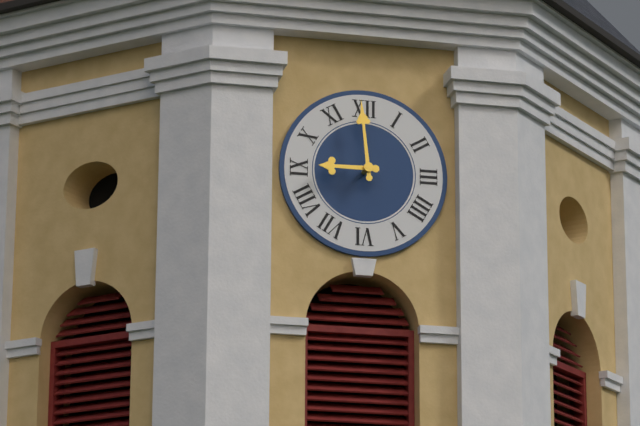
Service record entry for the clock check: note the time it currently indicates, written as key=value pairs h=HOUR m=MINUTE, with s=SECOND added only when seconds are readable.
h=8 m=59
